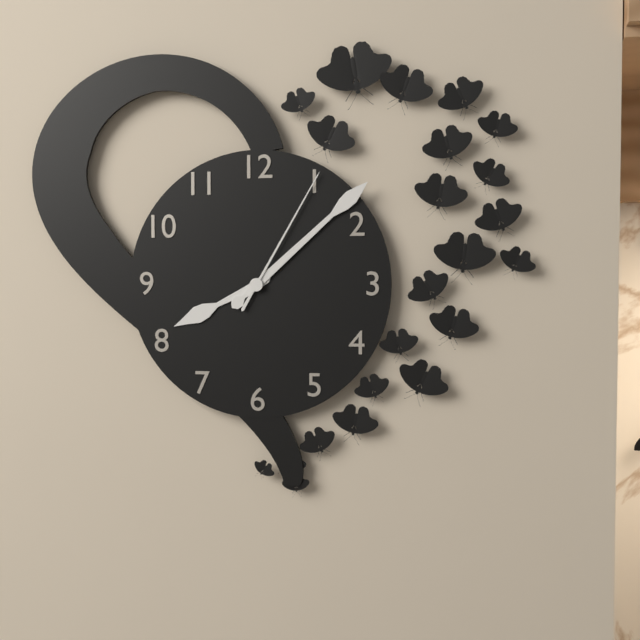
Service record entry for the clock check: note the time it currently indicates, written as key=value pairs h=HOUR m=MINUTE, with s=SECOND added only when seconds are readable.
h=8 m=8 s=5
